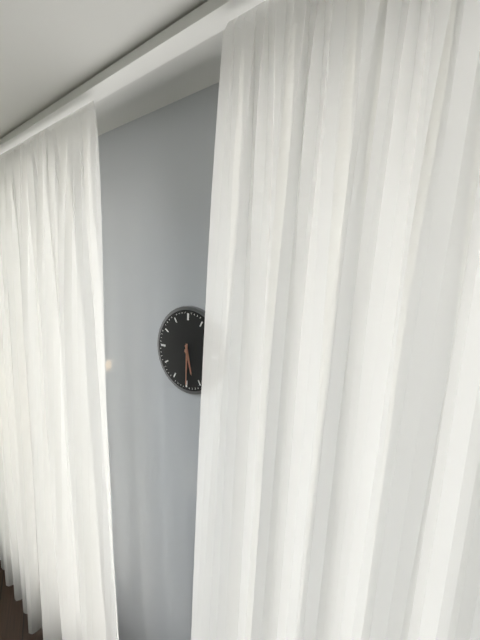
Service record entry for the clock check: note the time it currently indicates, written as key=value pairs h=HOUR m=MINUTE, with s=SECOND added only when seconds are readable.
h=5 m=30
